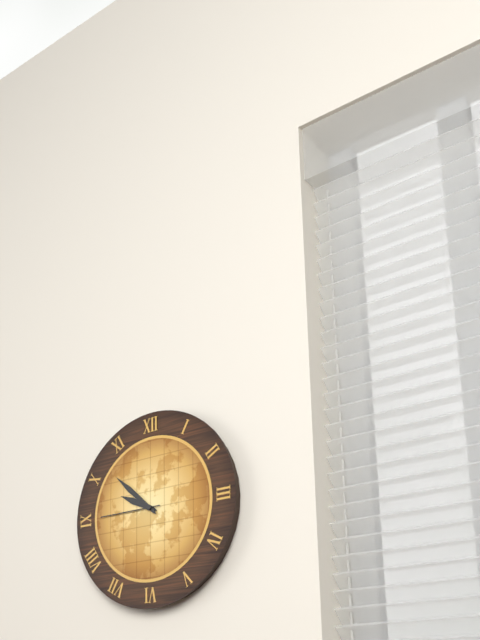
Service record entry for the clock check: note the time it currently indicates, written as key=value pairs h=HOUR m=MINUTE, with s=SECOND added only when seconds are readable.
h=9 m=52 s=45
